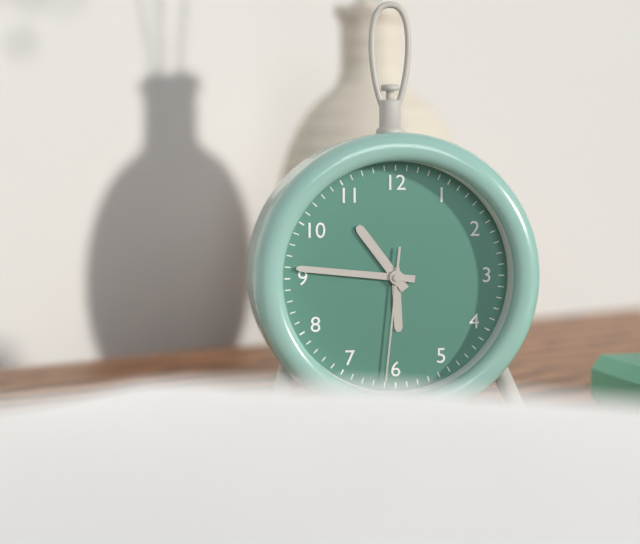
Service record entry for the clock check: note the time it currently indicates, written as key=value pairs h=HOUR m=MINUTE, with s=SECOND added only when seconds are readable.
h=10 m=46 s=31
